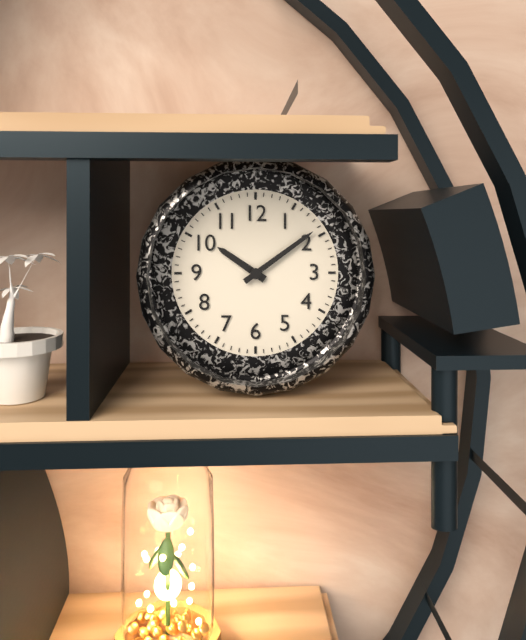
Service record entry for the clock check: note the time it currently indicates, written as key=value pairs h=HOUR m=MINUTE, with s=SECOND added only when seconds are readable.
h=10 m=9
